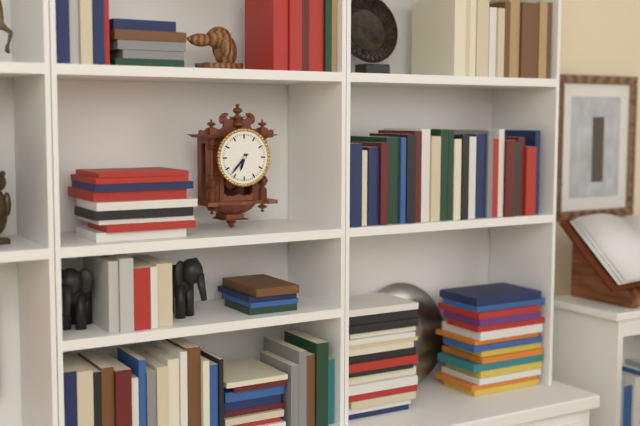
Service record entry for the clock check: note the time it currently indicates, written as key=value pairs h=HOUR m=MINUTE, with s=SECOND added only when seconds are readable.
h=6 m=37
